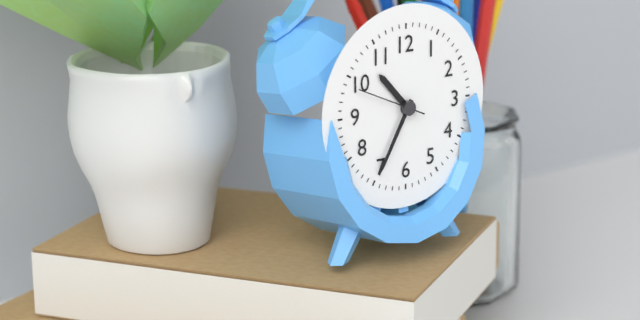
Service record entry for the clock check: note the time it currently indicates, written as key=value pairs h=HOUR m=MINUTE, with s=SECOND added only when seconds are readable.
h=10 m=35 s=49
